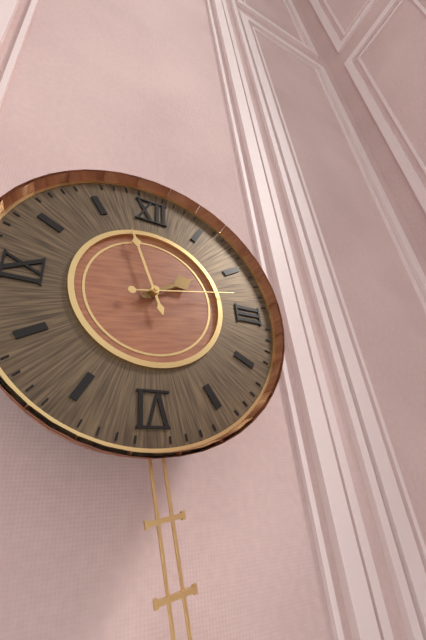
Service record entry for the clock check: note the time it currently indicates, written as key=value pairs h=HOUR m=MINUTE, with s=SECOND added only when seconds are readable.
h=1 m=57 s=13
